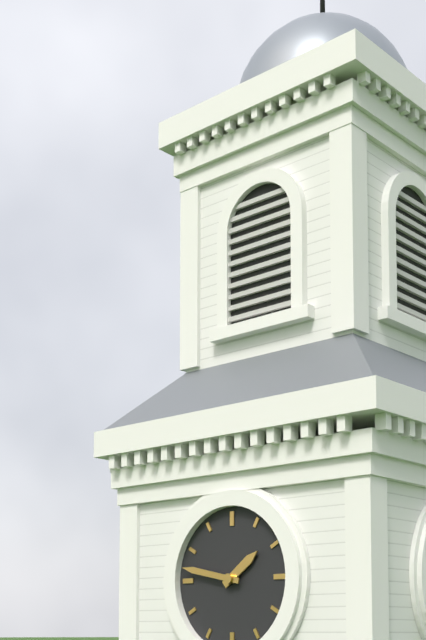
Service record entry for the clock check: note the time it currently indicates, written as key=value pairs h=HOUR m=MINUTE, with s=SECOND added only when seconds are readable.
h=1 m=47
